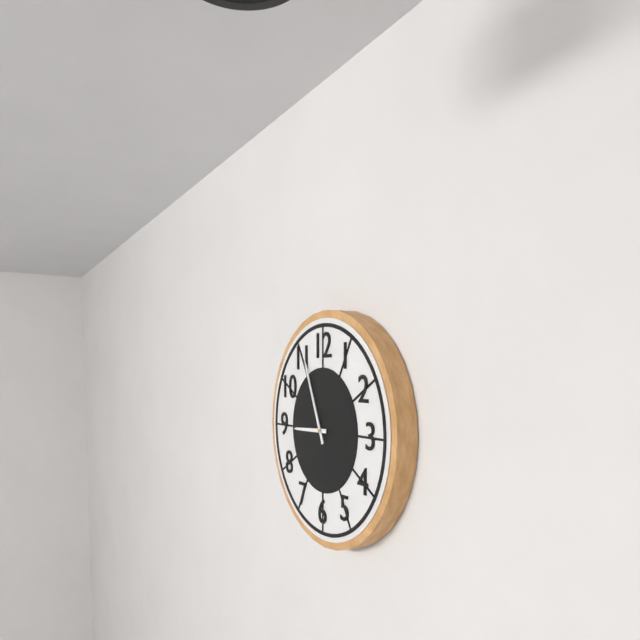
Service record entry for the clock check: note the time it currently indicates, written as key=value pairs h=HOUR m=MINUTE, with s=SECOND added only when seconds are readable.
h=8 m=56
